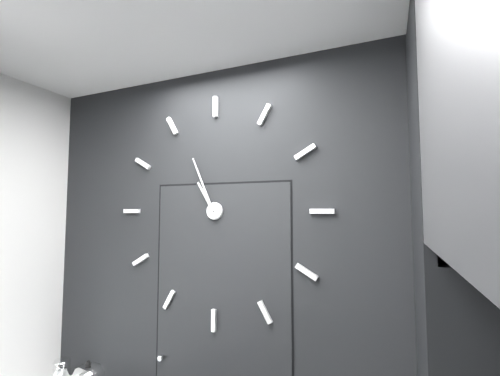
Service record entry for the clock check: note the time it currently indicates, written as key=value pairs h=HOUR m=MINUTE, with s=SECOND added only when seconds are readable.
h=10 m=56
